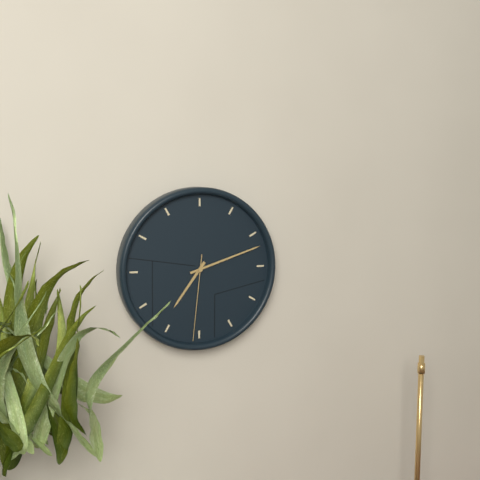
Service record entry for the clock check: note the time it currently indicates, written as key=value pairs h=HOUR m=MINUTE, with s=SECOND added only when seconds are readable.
h=7 m=12 s=31
